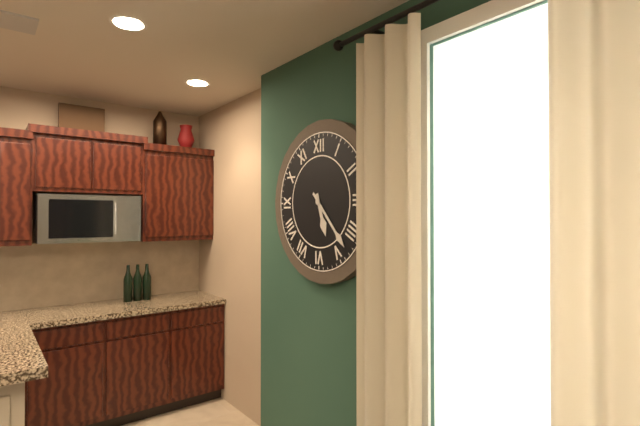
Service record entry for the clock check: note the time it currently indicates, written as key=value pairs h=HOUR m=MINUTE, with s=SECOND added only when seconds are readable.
h=5 m=23
